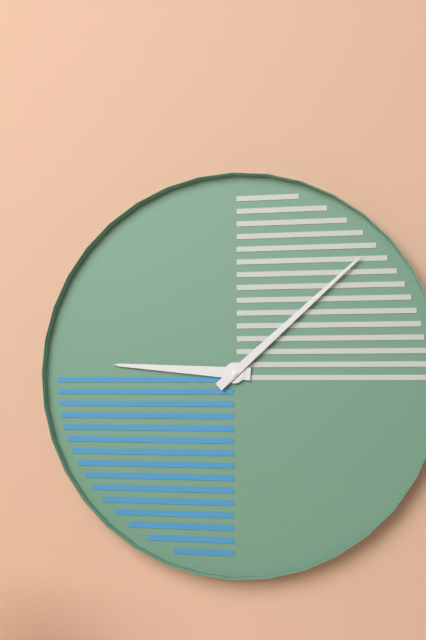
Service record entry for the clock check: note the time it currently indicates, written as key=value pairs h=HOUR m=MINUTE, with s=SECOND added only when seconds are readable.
h=9 m=8
